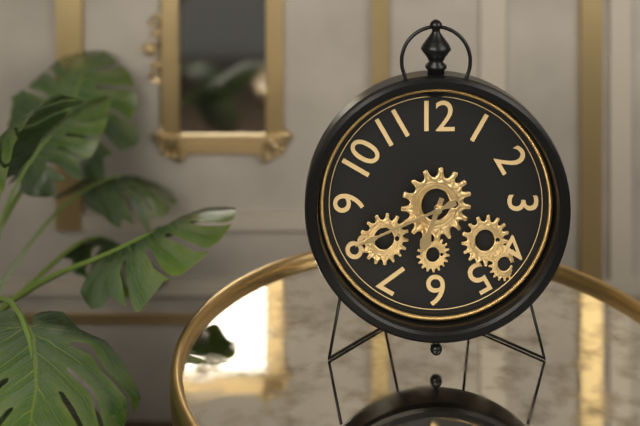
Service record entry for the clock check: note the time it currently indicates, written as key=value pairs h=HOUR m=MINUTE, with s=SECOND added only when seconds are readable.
h=6 m=41
